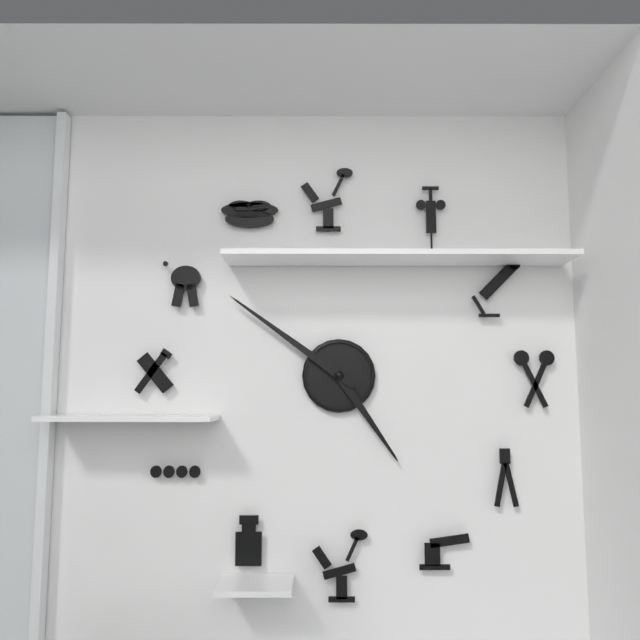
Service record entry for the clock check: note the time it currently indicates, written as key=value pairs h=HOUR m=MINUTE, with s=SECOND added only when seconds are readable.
h=4 m=51
